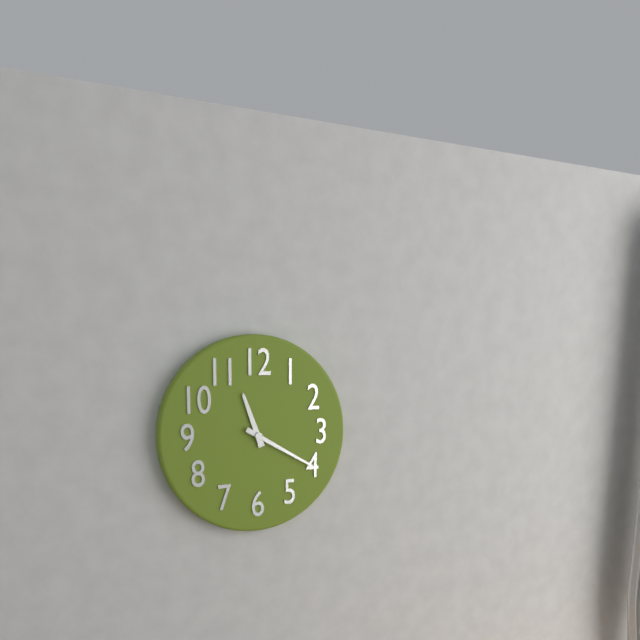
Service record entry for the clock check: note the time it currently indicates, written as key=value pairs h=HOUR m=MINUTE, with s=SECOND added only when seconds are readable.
h=11 m=20
